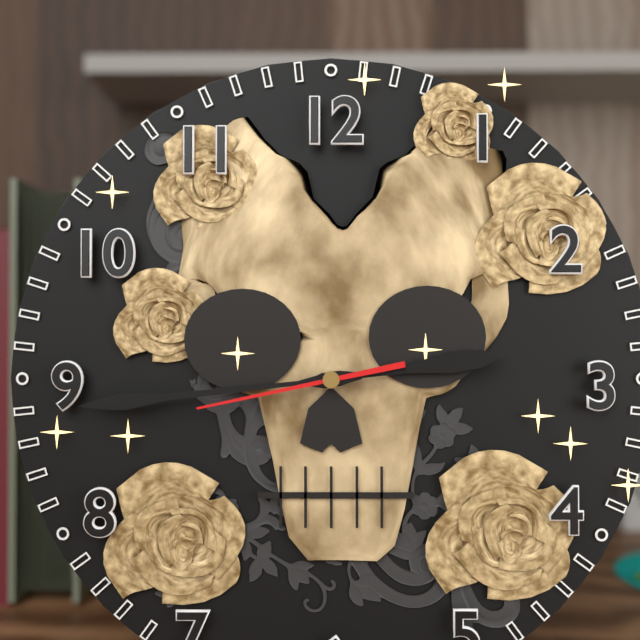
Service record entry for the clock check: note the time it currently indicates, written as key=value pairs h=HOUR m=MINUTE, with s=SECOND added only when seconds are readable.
h=2 m=44 s=43
